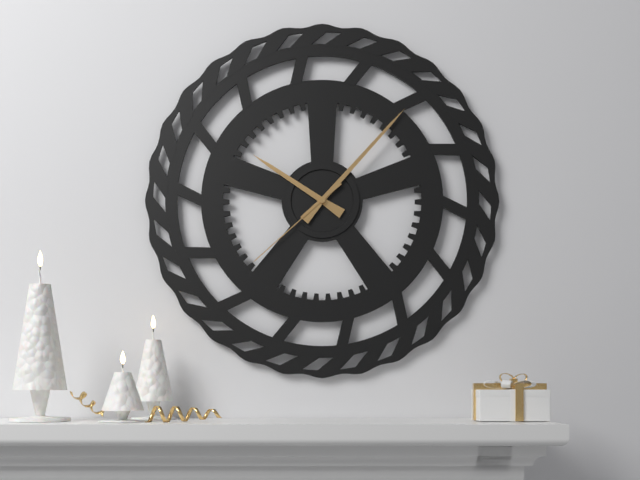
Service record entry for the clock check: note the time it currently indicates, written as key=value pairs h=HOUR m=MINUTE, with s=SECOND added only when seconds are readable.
h=10 m=7 s=38
